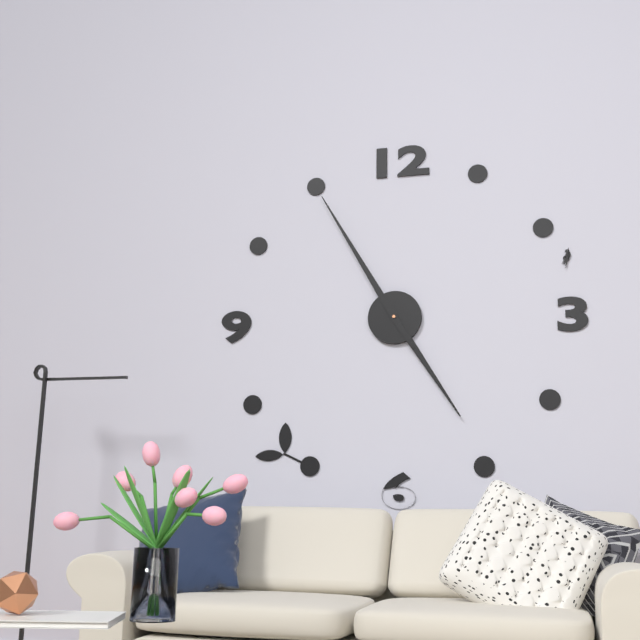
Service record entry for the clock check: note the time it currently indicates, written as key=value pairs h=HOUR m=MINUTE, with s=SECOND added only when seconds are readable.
h=4 m=55
